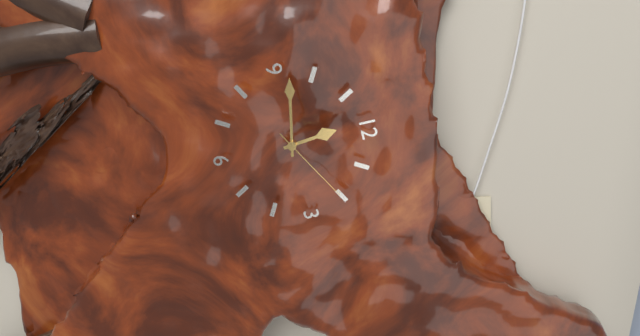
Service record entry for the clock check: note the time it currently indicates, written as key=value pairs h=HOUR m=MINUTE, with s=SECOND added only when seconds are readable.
h=11 m=47 s=10
